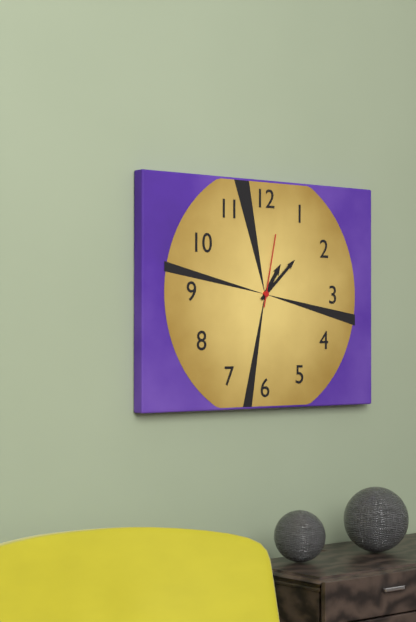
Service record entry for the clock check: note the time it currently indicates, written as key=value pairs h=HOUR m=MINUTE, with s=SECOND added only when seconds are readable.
h=1 m=8 s=2
